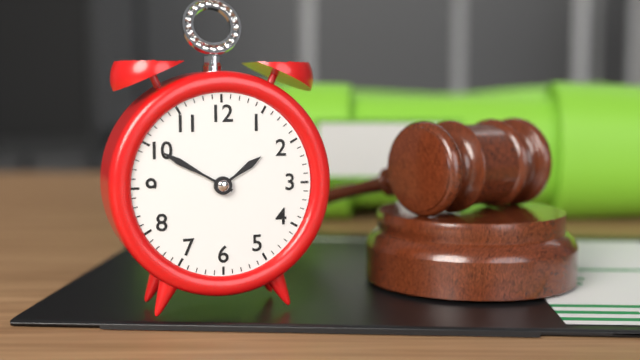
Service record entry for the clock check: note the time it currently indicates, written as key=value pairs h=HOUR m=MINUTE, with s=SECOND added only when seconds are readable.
h=1 m=50
